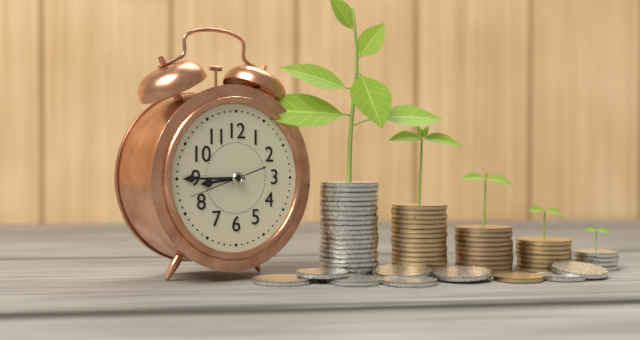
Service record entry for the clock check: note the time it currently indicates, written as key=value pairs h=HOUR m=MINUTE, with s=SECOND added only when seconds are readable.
h=8 m=45 s=42
